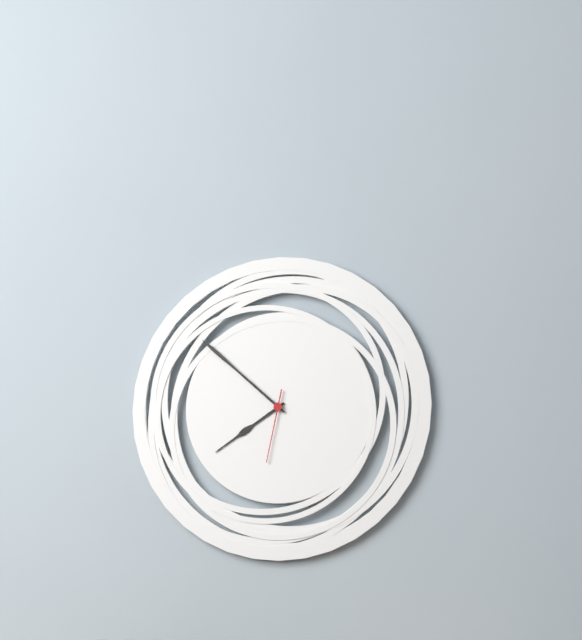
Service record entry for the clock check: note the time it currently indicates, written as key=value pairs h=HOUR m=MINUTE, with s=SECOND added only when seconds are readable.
h=7 m=52 s=32
